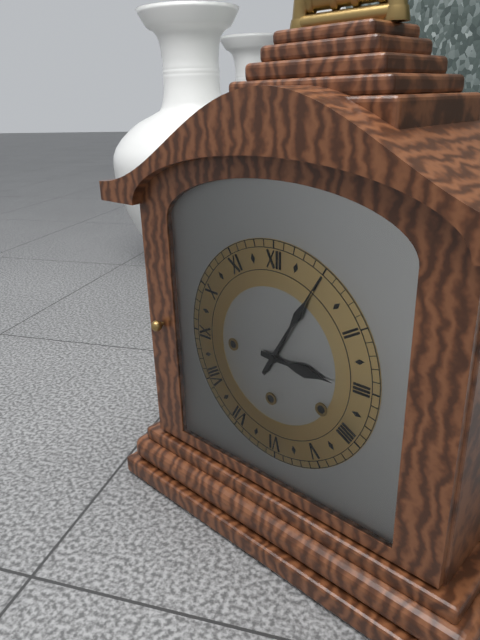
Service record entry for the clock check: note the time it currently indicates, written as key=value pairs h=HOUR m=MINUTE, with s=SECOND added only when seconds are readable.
h=3 m=5
